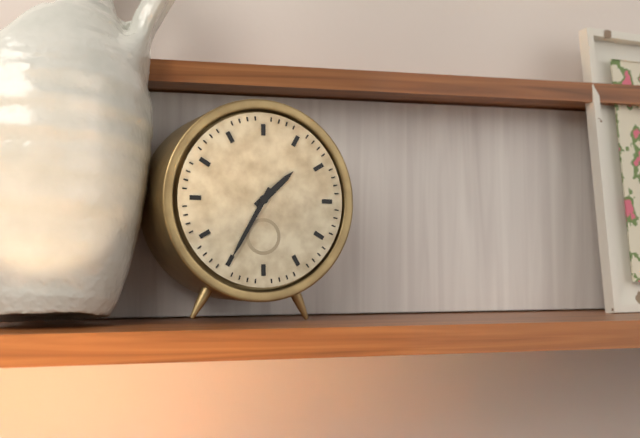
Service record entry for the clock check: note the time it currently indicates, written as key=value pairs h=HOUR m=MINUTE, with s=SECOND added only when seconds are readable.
h=1 m=35
